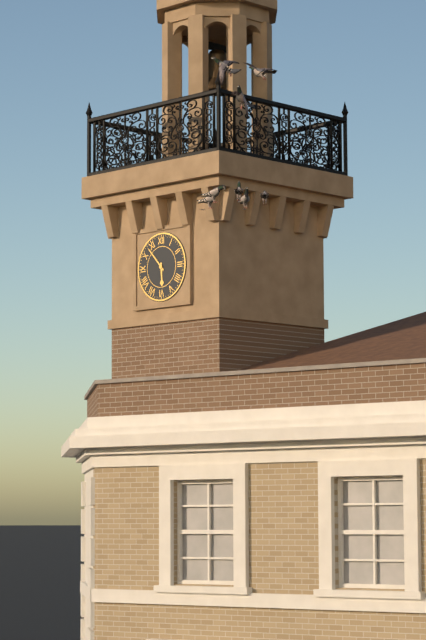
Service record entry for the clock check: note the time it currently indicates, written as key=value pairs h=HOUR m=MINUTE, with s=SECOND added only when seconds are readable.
h=5 m=53
